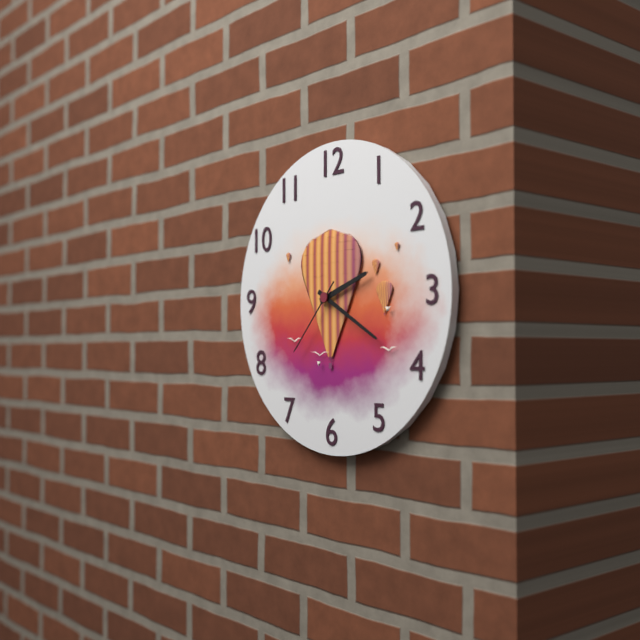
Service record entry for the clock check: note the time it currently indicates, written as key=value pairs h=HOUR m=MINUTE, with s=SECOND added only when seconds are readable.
h=2 m=20 s=37
